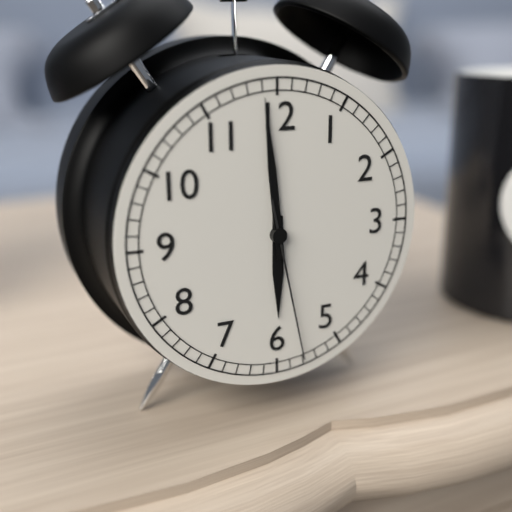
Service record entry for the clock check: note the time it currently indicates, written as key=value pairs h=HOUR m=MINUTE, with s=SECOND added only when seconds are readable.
h=5 m=59 s=28
